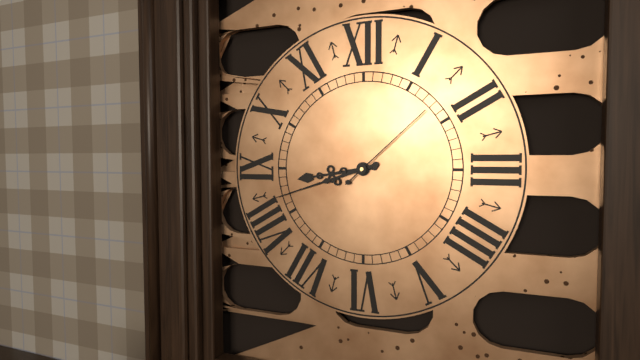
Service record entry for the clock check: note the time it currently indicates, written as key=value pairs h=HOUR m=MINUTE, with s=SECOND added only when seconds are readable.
h=8 m=42 s=8
